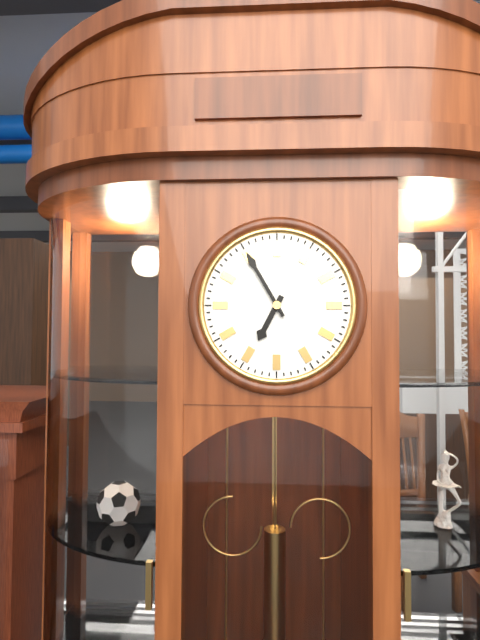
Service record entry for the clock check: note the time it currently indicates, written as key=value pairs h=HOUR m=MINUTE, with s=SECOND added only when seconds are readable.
h=6 m=55
